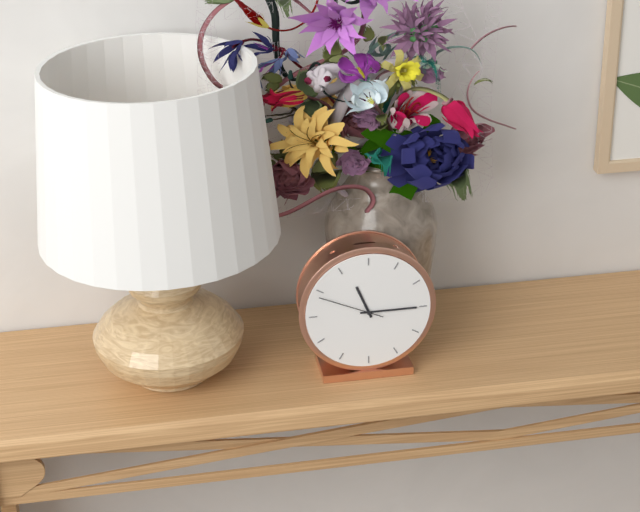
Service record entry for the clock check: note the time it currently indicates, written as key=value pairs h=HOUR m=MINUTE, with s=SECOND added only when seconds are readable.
h=11 m=15 s=49
